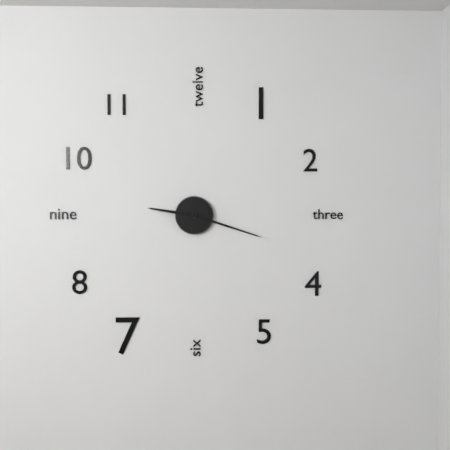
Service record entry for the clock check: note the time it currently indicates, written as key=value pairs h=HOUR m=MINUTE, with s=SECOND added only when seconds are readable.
h=9 m=18
